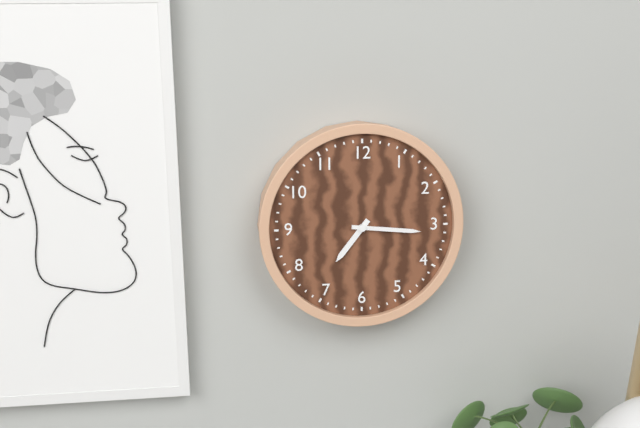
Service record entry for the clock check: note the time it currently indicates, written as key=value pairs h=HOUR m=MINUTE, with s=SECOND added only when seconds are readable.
h=7 m=16
